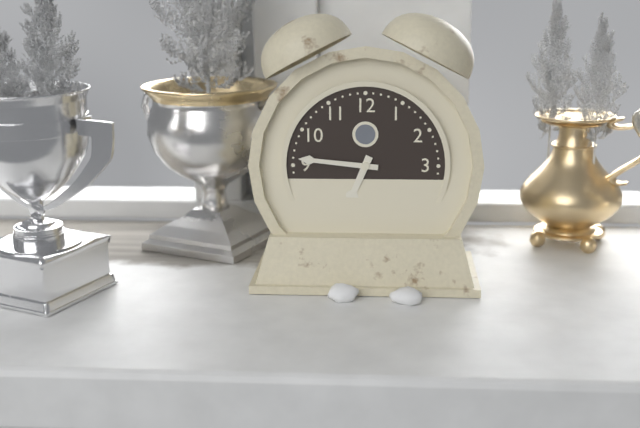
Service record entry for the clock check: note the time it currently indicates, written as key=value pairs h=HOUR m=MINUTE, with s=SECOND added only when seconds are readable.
h=6 m=46
